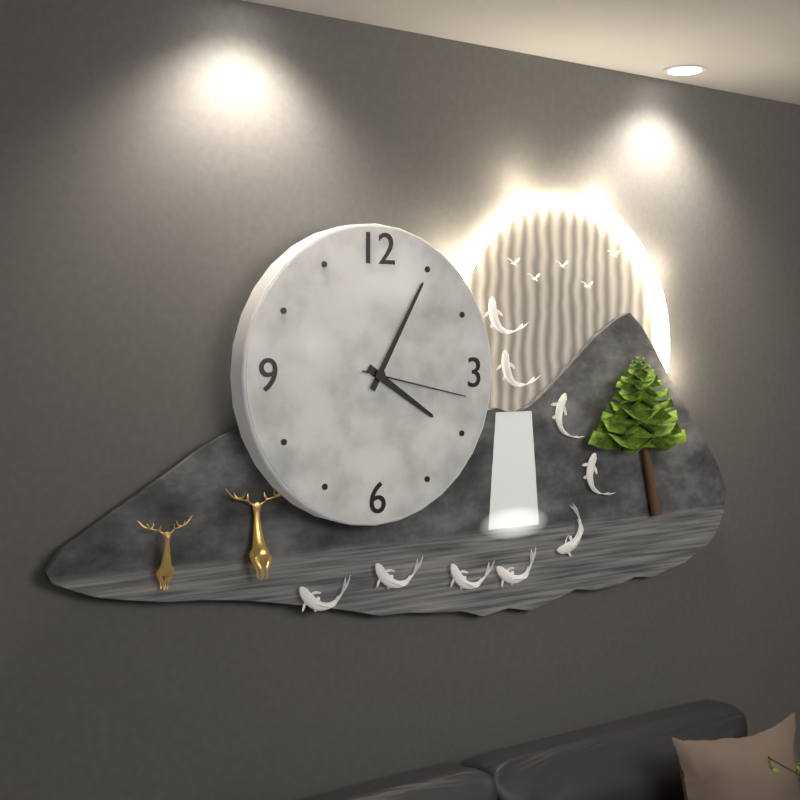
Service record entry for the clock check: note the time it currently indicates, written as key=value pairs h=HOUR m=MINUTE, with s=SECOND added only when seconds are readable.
h=4 m=5 s=17
